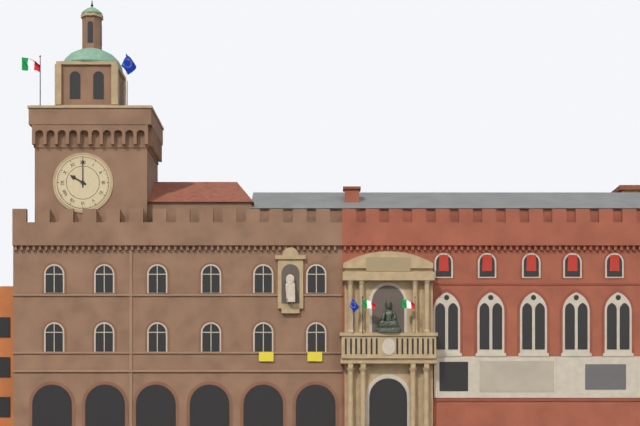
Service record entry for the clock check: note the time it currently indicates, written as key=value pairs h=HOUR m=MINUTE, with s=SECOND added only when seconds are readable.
h=10 m=0
